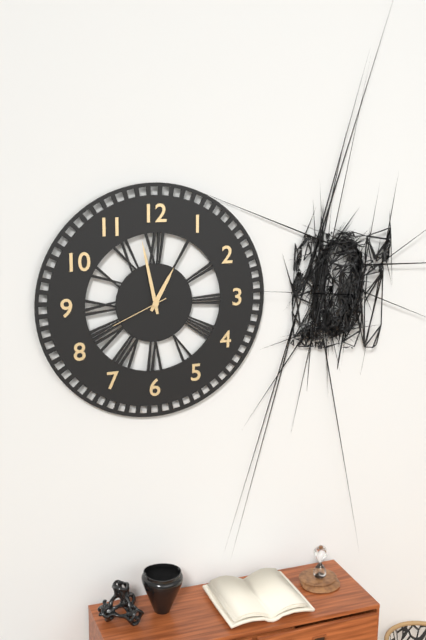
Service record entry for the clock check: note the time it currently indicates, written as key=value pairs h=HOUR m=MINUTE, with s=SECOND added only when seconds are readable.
h=12 m=58 s=41
